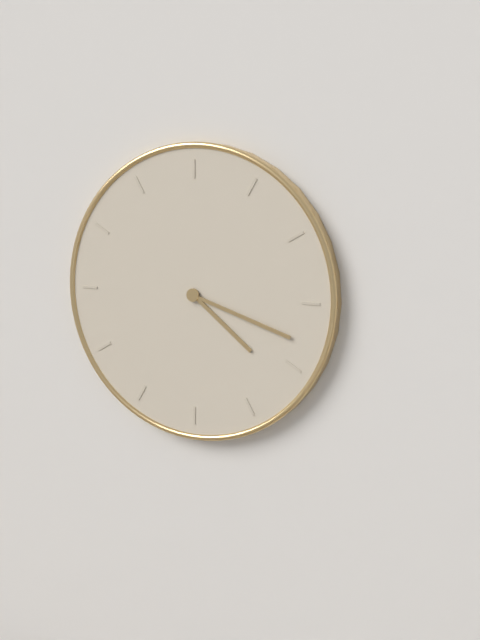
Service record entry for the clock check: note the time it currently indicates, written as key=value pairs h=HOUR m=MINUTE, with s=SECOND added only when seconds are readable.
h=4 m=18
